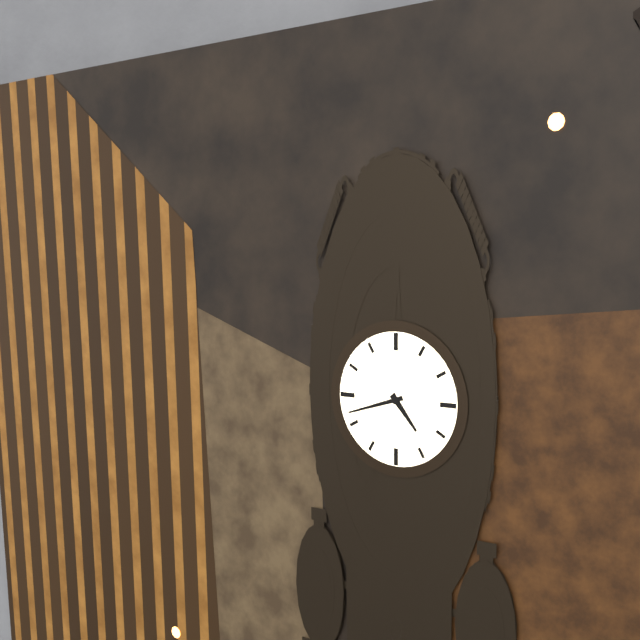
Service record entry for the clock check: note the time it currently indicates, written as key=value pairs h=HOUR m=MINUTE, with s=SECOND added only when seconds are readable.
h=4 m=42
